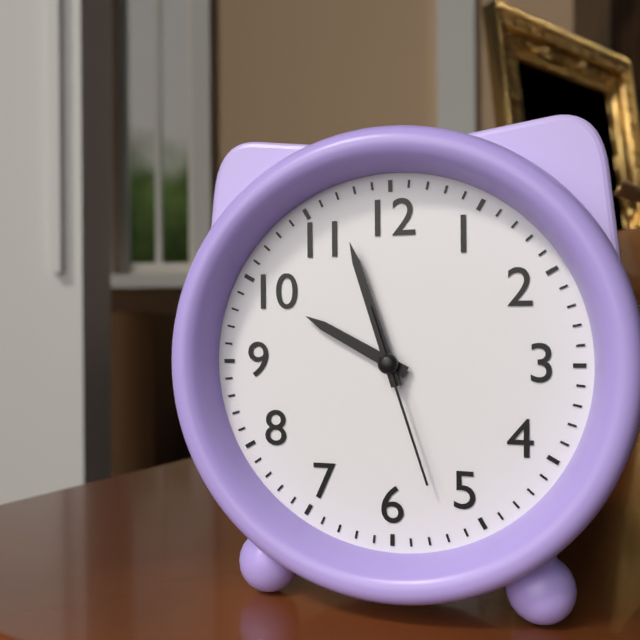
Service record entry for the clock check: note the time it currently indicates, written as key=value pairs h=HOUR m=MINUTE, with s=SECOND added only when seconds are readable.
h=9 m=57 s=27
